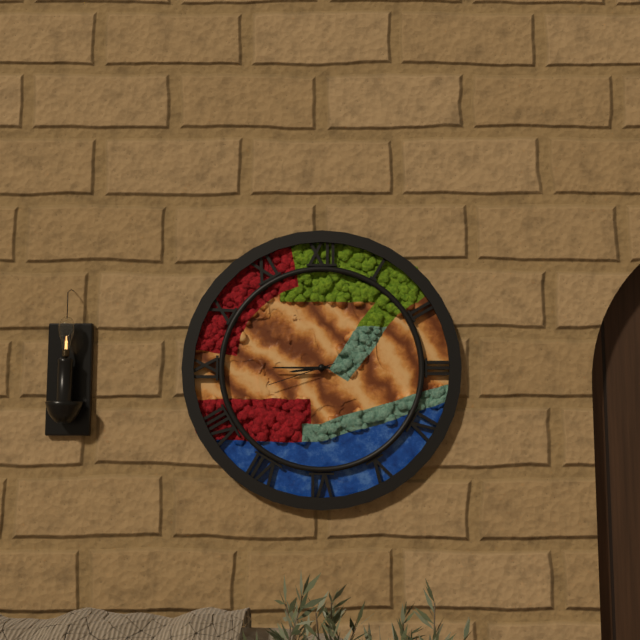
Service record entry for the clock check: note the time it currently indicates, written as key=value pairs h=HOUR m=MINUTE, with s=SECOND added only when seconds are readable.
h=8 m=45 s=42
